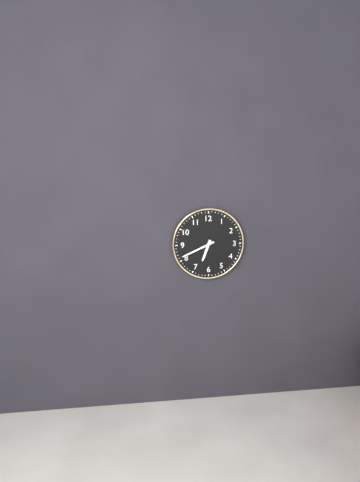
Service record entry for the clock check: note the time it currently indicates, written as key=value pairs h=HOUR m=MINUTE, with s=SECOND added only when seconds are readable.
h=6 m=41
